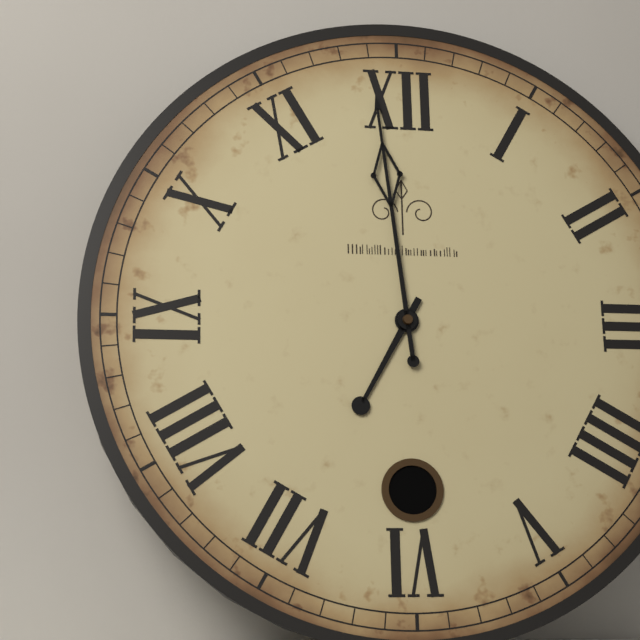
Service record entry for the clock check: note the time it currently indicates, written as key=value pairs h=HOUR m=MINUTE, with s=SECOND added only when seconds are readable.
h=6 m=59
